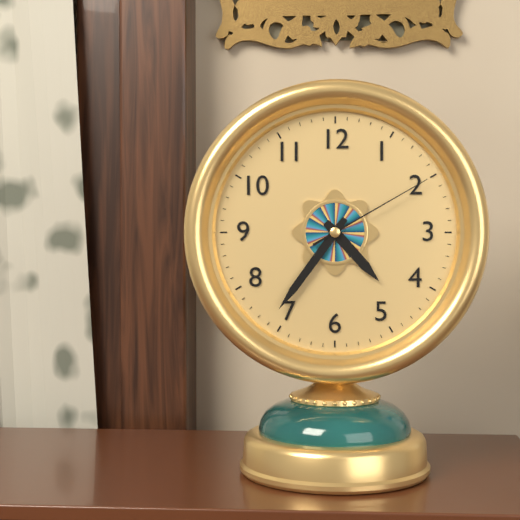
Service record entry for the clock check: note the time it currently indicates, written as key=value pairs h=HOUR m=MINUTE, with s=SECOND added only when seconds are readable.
h=4 m=36 s=10
